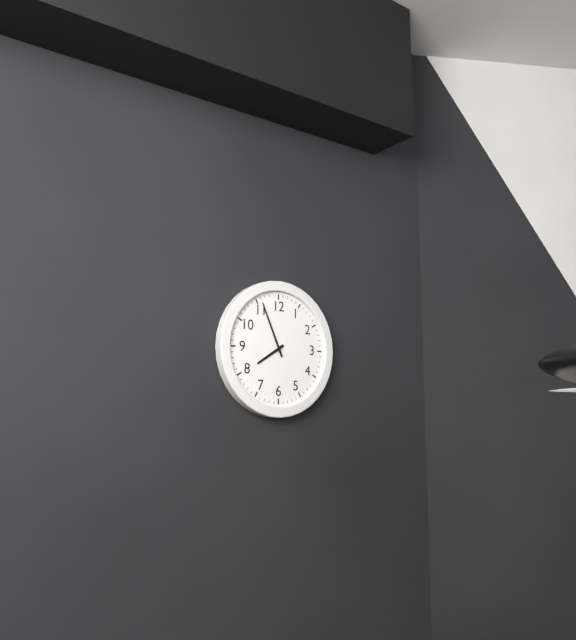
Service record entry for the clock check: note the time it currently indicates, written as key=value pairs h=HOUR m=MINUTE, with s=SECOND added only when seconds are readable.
h=7 m=56
